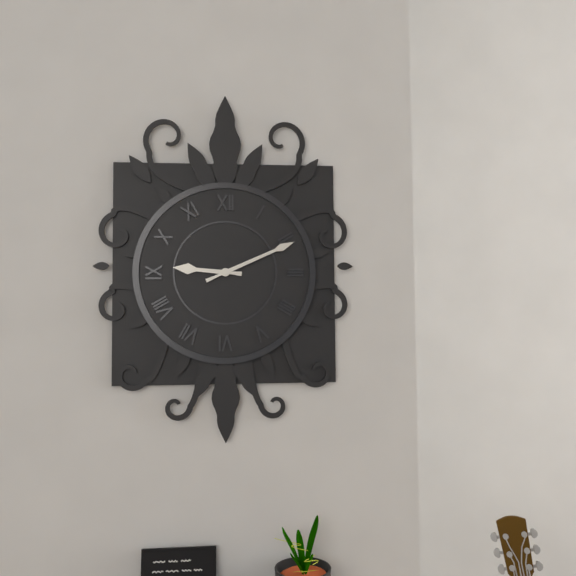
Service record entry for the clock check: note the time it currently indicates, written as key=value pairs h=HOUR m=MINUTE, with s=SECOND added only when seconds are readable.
h=9 m=11
